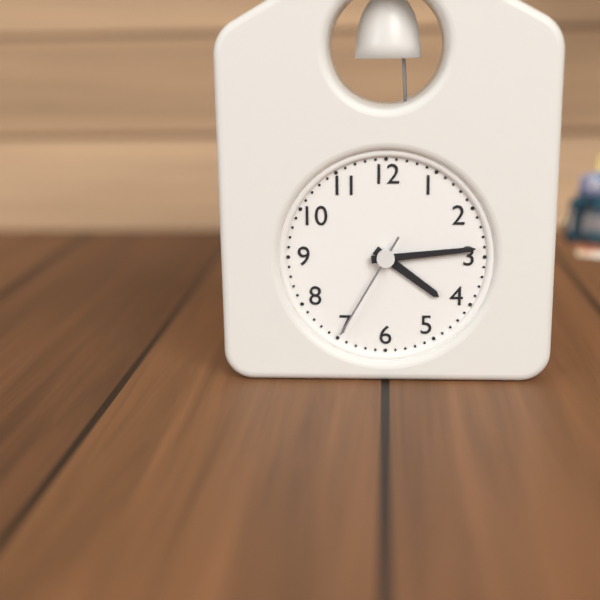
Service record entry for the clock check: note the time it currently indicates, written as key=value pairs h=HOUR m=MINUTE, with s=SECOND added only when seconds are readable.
h=4 m=14 s=35
